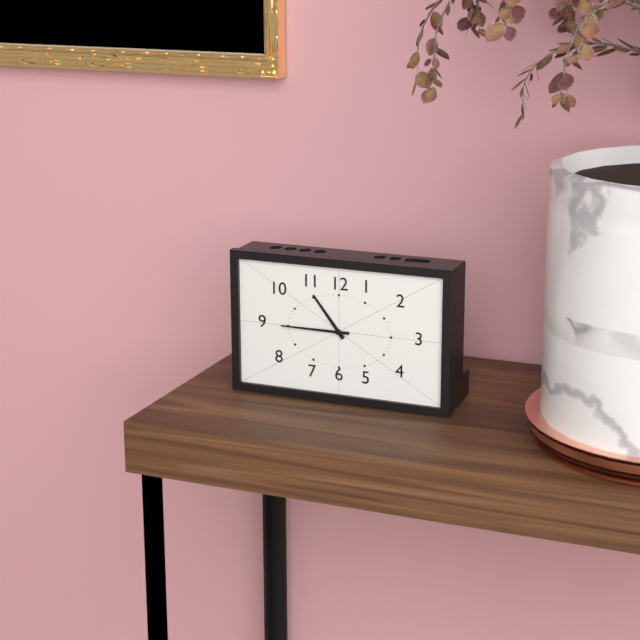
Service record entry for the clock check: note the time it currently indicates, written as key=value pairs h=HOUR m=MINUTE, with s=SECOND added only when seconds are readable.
h=10 m=45
